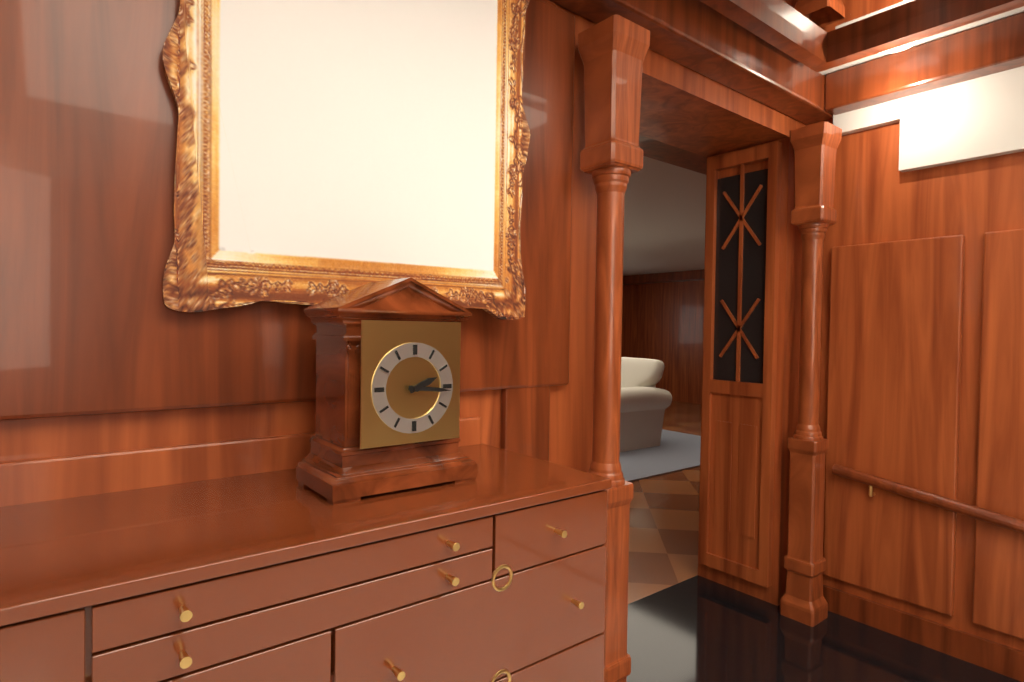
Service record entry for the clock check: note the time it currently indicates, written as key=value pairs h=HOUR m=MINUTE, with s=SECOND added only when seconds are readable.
h=2 m=16
